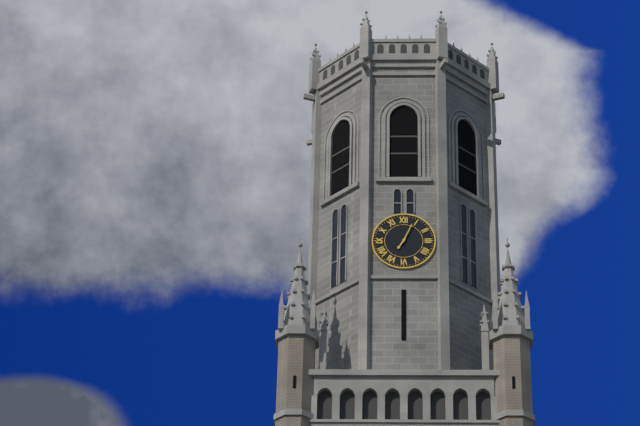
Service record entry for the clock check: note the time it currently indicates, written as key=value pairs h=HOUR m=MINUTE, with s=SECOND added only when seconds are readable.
h=7 m=4
